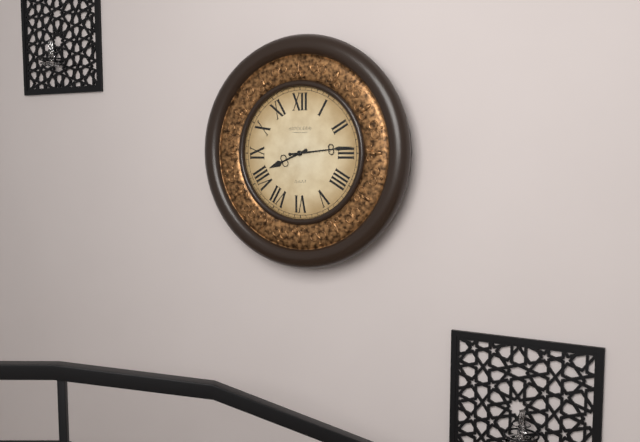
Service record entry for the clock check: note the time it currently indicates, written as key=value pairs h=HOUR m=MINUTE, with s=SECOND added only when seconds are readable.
h=8 m=14
